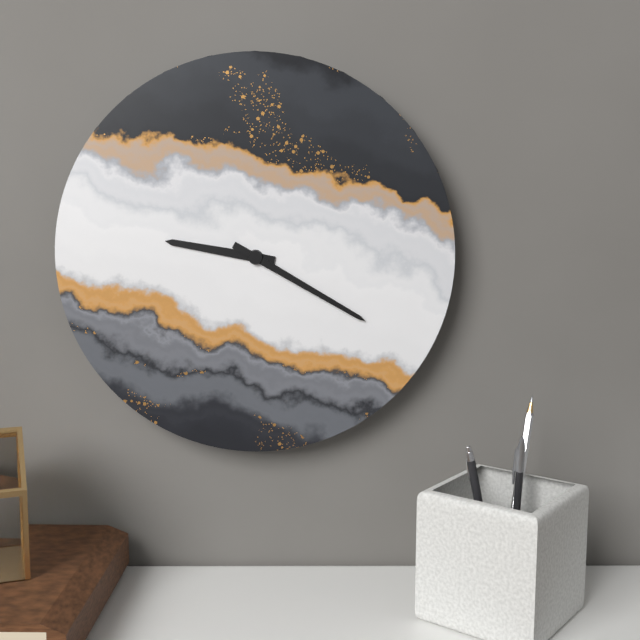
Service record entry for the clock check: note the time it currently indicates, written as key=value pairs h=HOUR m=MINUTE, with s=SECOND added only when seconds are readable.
h=9 m=20
